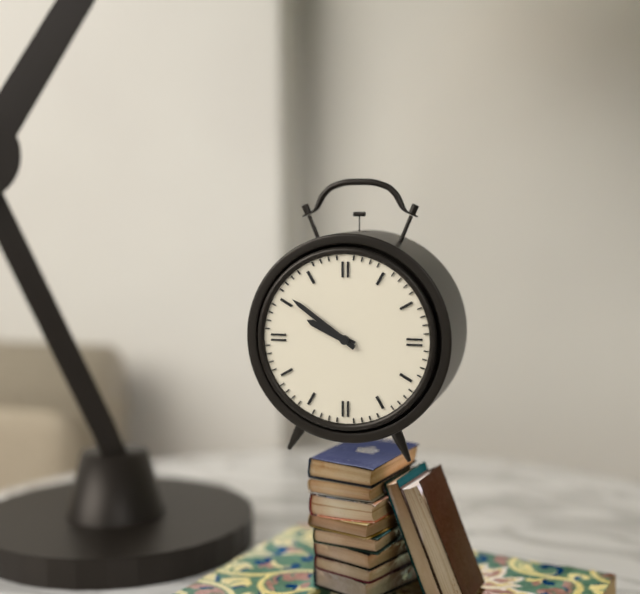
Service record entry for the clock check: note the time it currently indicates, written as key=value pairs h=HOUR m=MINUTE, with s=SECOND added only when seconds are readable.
h=9 m=51
